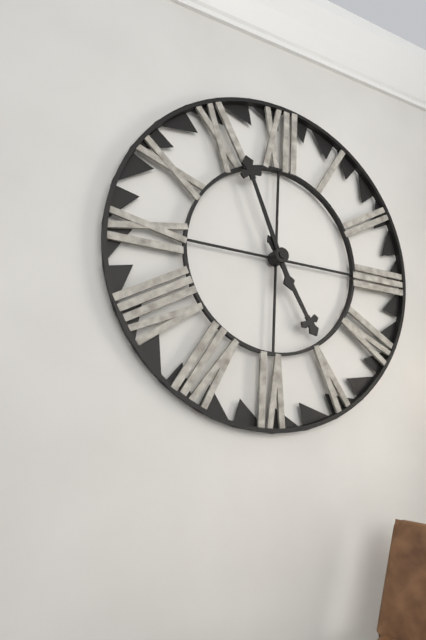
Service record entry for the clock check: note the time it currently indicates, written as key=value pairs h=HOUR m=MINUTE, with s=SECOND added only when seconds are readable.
h=4 m=56
